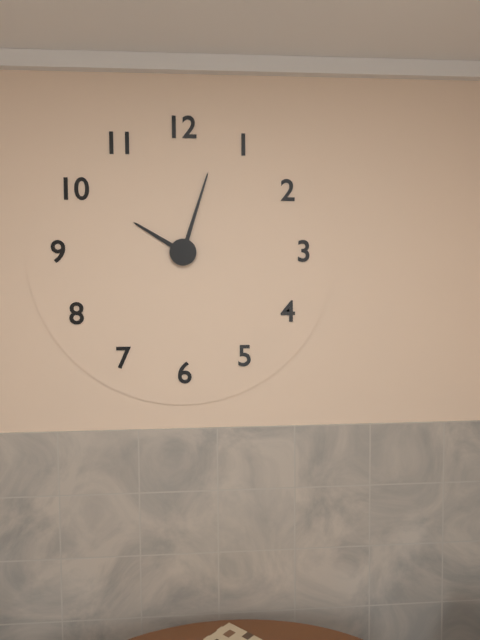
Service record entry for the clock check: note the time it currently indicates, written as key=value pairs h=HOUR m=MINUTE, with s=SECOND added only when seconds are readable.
h=10 m=3
